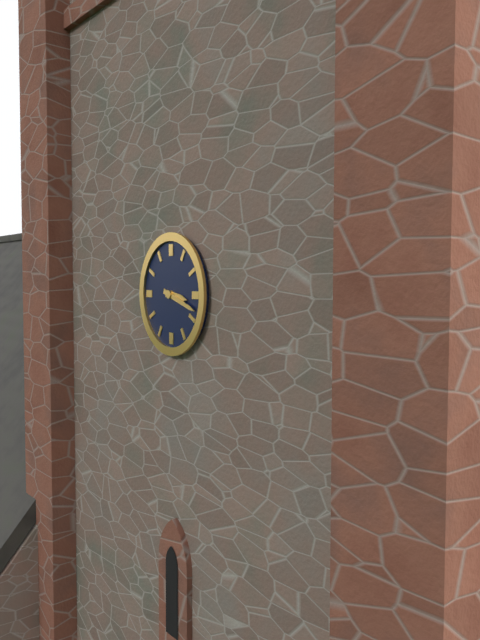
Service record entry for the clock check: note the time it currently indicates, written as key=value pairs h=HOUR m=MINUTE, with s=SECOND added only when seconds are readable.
h=3 m=18
